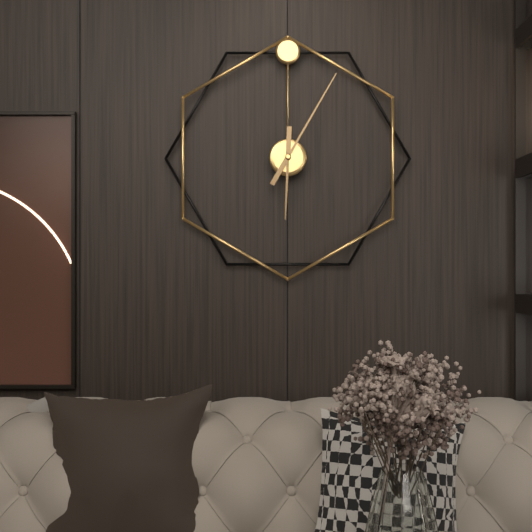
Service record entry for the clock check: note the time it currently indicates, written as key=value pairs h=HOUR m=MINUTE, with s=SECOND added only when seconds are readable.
h=6 m=5
